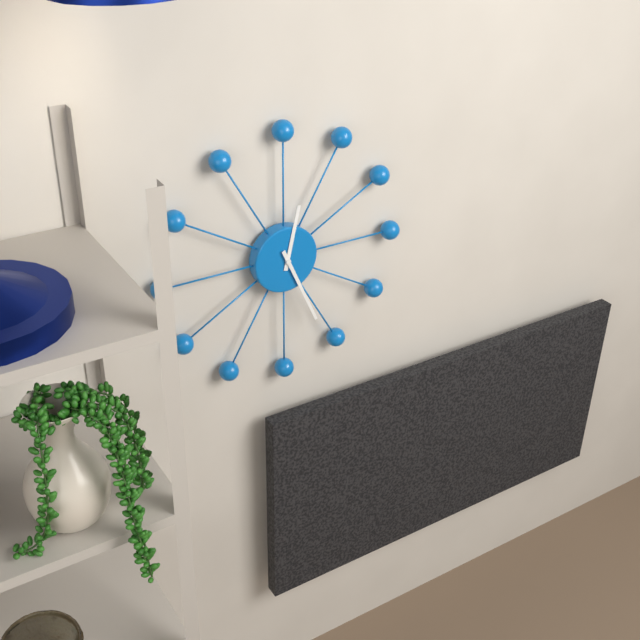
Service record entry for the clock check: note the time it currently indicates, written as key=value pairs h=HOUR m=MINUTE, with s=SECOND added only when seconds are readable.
h=12 m=26
